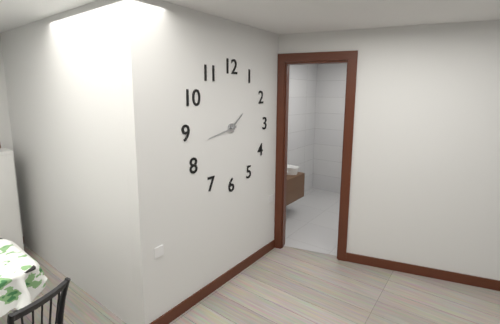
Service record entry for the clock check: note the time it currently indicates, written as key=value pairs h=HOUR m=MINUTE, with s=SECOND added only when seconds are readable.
h=1 m=43
